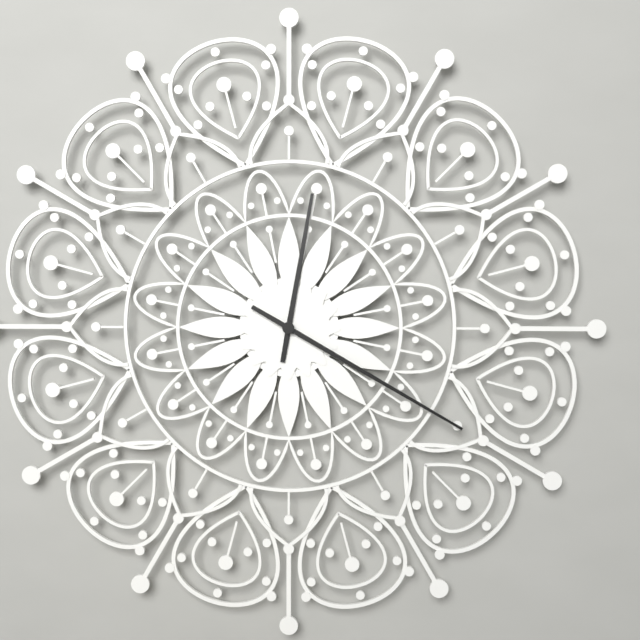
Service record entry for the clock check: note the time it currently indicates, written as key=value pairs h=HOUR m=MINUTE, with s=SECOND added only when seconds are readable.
h=12 m=20
